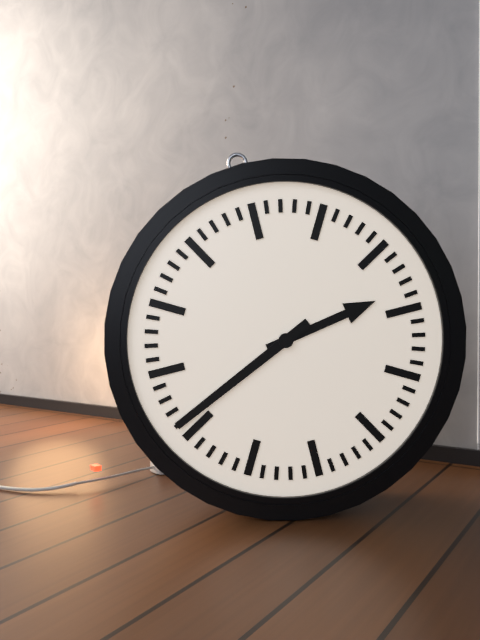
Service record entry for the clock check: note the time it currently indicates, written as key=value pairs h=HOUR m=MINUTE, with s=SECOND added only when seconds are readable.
h=2 m=41
